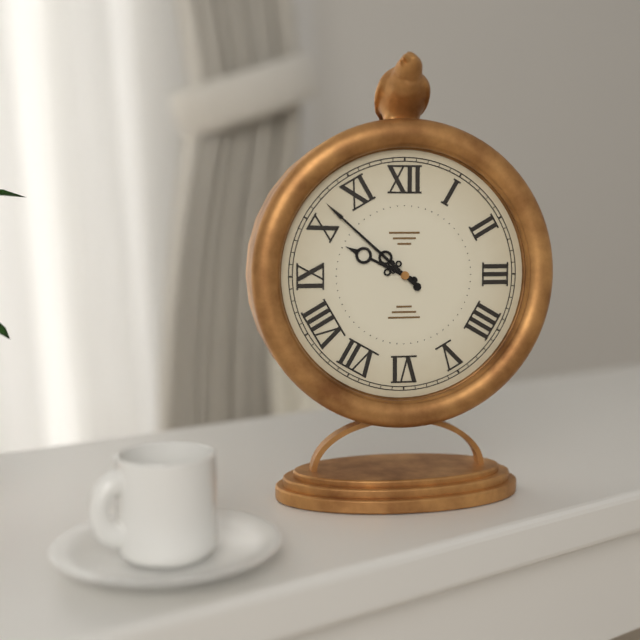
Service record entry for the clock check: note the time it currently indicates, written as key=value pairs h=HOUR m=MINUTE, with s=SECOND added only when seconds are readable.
h=9 m=52
